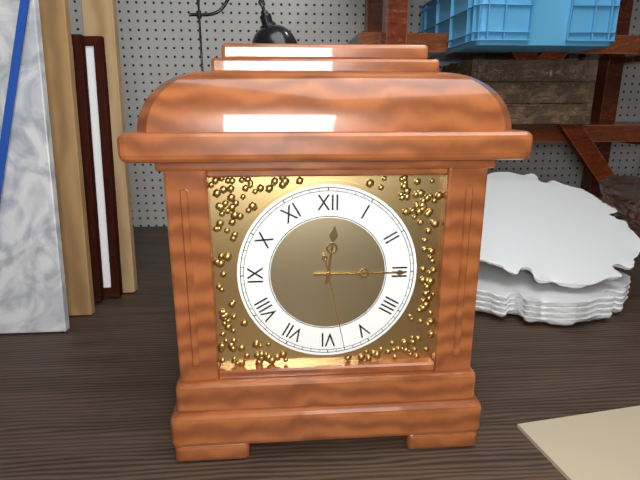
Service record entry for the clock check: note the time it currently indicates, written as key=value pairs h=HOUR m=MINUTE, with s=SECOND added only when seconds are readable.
h=12 m=15 s=28
